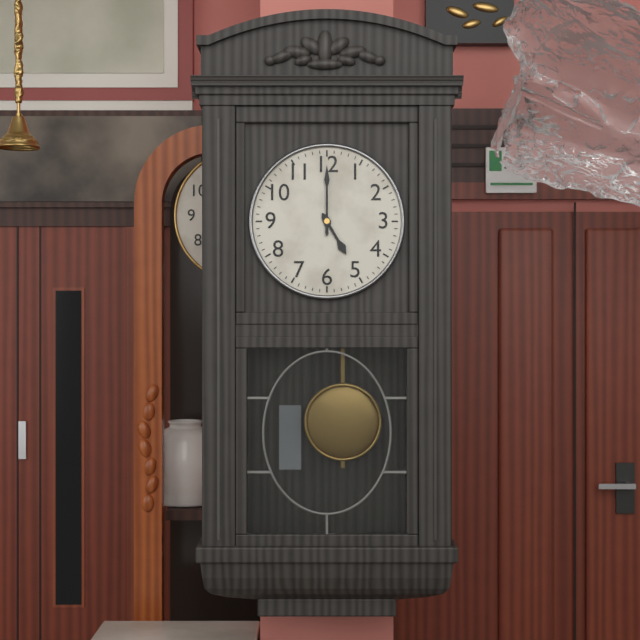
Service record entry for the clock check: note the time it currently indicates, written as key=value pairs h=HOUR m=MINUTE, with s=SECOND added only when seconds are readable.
h=5 m=0
